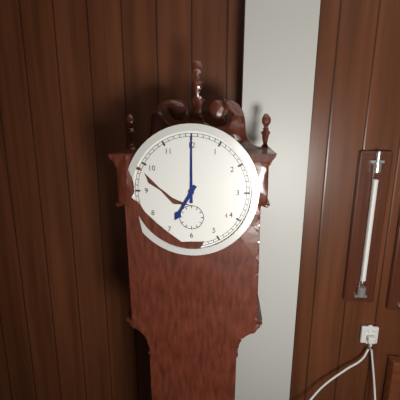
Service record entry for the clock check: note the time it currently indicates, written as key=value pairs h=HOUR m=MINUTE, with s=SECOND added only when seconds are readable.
h=7 m=0
